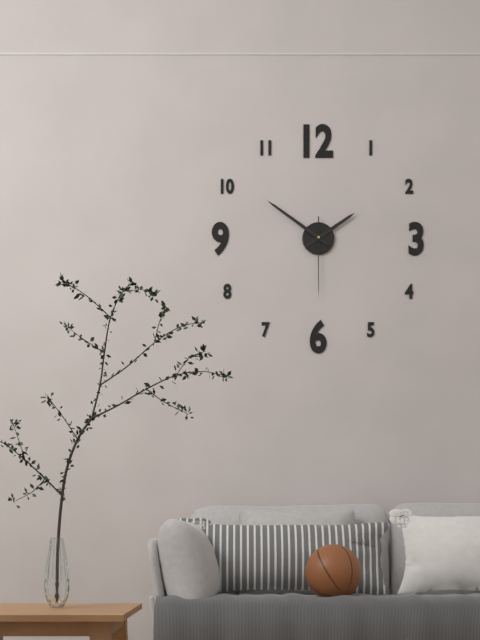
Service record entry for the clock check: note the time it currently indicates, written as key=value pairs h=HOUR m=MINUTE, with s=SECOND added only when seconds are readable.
h=1 m=51 s=30
